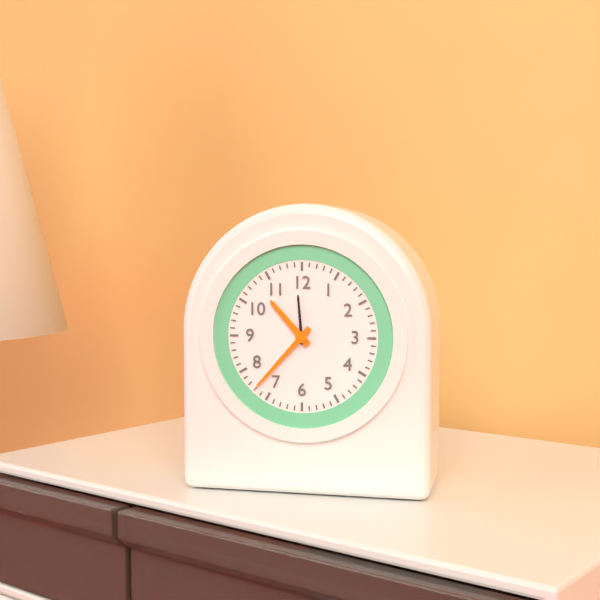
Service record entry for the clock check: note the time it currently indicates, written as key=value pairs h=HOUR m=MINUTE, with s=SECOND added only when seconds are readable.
h=10 m=37
